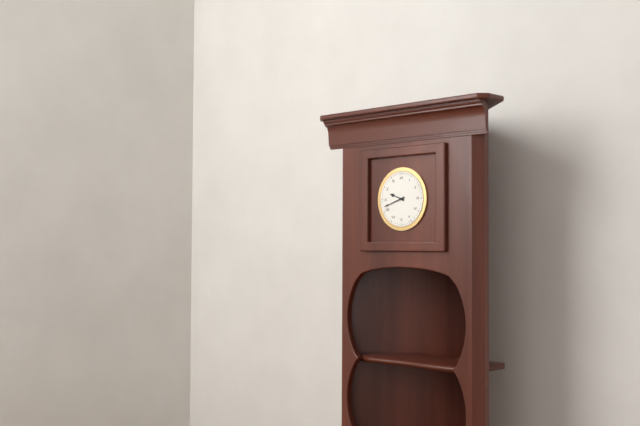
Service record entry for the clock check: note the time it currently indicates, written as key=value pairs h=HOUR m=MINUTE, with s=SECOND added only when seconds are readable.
h=9 m=42
